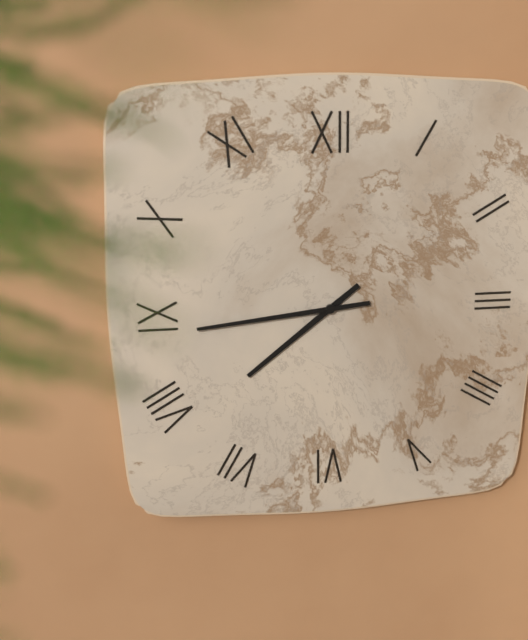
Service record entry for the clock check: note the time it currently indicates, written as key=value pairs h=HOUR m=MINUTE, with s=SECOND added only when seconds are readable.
h=7 m=44
